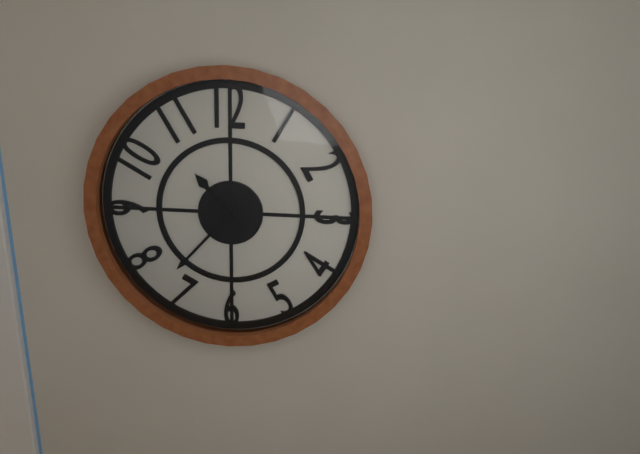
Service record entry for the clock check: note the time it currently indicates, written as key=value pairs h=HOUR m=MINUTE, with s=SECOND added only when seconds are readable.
h=10 m=37
